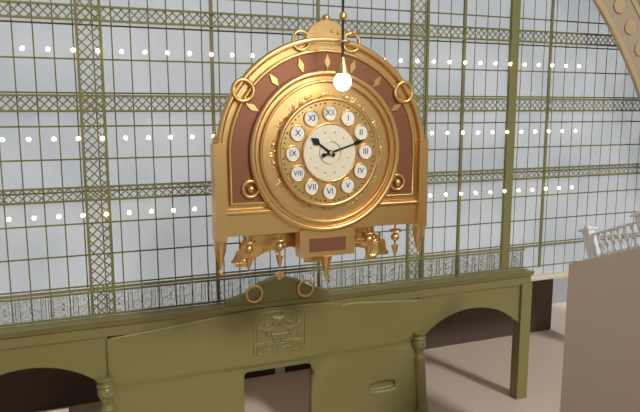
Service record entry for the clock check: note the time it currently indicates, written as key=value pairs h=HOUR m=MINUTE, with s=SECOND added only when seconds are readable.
h=10 m=12
